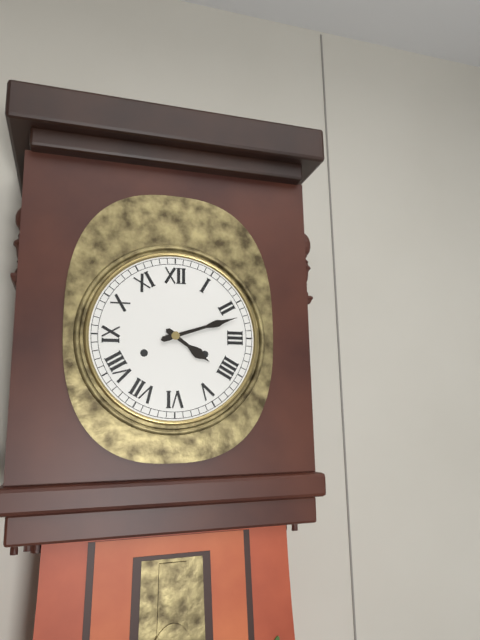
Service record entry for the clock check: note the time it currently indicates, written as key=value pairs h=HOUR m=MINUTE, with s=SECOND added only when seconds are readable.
h=4 m=12
